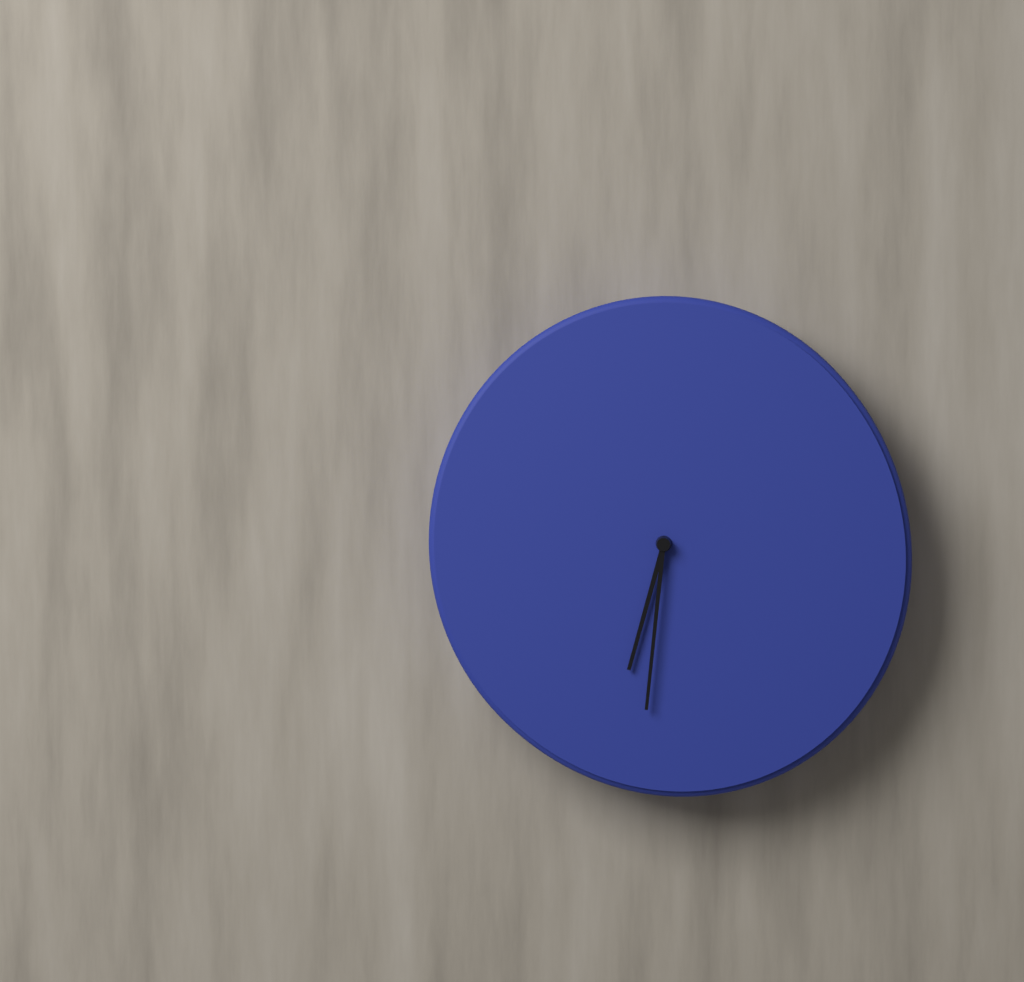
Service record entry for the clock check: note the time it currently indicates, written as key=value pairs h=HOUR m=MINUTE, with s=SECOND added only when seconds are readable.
h=6 m=31
